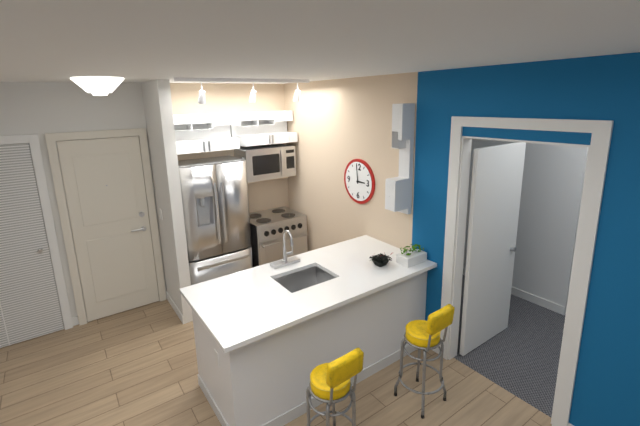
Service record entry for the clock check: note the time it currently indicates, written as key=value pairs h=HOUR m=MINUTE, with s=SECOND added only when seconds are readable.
h=2 m=59
